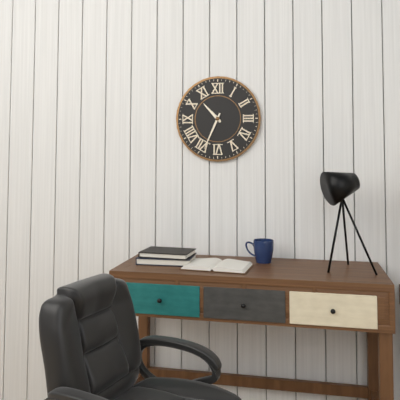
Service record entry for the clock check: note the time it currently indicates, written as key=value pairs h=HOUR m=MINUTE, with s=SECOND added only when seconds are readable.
h=10 m=34
